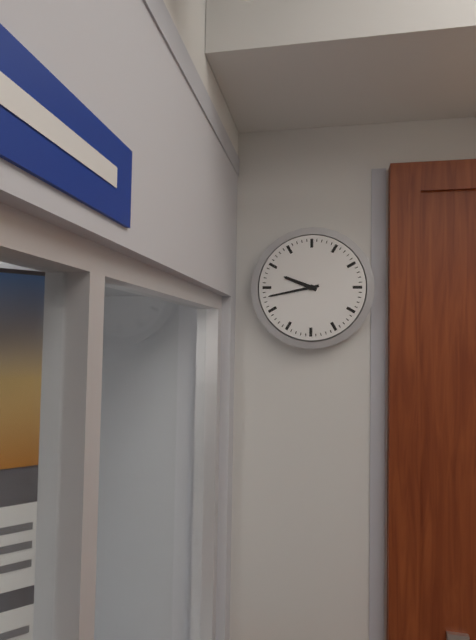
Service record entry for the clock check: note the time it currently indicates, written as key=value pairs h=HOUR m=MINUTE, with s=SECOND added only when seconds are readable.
h=9 m=43
